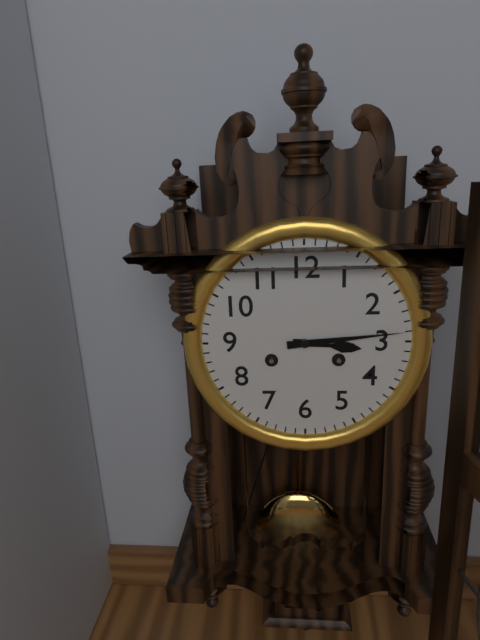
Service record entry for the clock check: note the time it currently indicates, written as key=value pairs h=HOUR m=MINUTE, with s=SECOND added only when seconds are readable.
h=3 m=14
